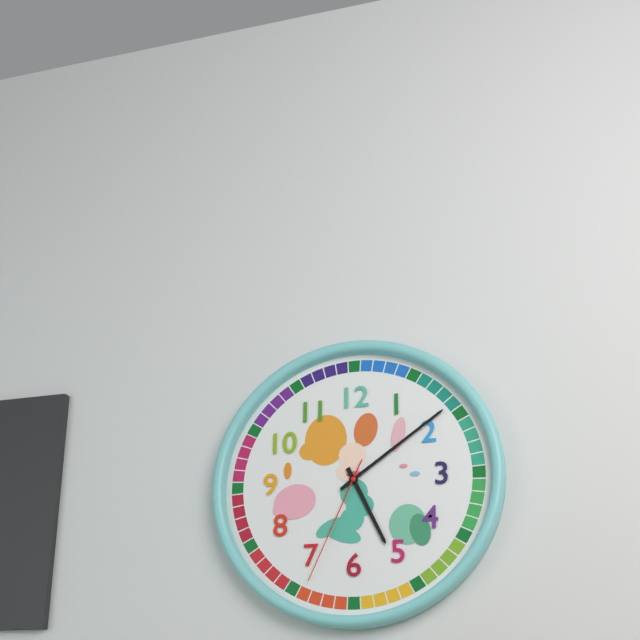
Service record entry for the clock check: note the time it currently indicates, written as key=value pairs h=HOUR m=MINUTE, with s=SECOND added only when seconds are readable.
h=5 m=9 s=34
